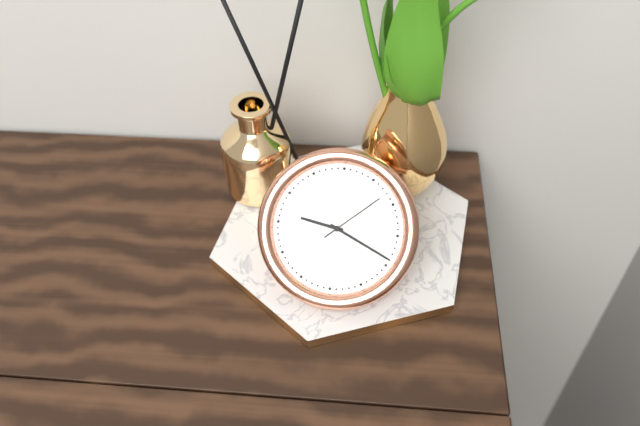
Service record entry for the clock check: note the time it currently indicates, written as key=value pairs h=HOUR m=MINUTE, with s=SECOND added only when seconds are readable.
h=9 m=19 s=8
